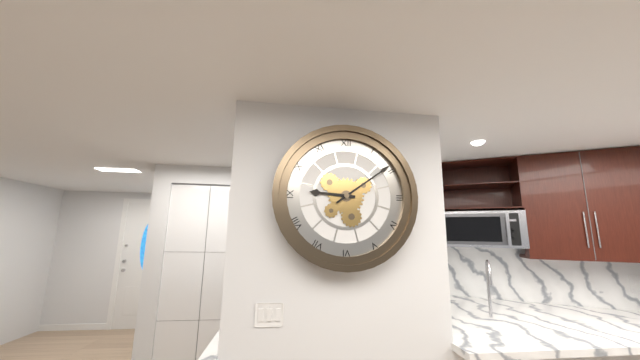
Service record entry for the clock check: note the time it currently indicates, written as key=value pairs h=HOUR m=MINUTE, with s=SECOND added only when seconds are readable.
h=9 m=9
